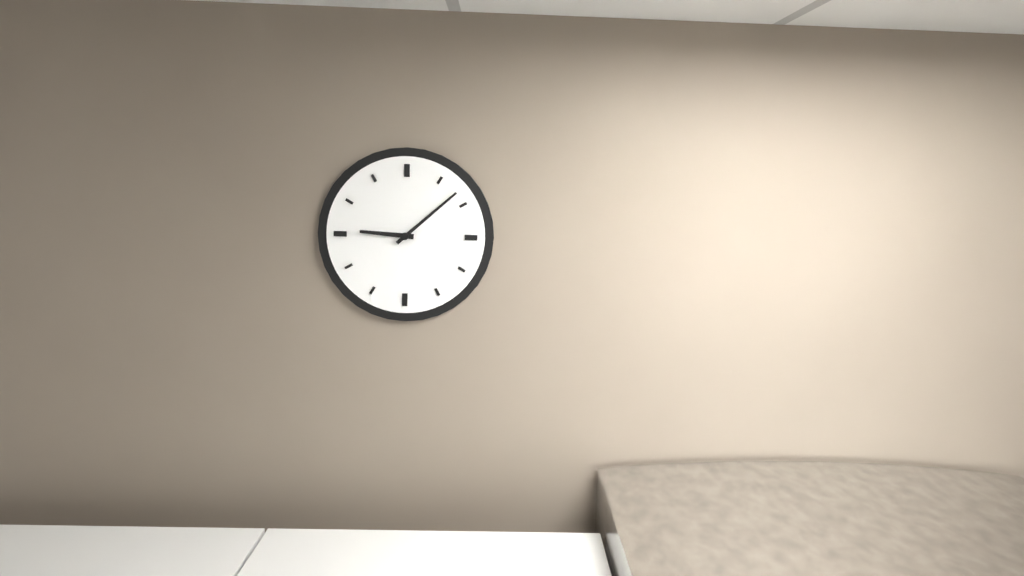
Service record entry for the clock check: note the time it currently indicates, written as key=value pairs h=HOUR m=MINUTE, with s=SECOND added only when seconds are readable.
h=9 m=8
